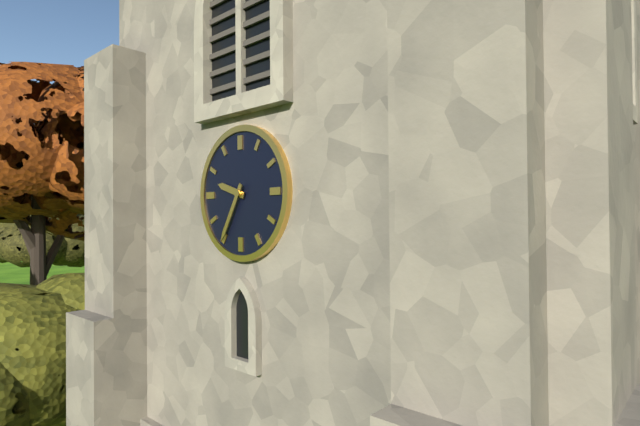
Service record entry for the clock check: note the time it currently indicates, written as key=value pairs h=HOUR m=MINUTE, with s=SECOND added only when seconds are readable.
h=9 m=35
